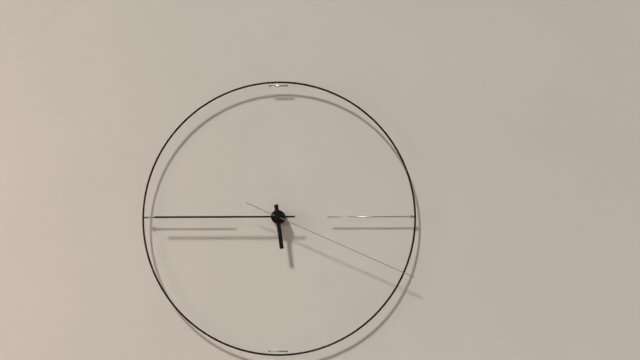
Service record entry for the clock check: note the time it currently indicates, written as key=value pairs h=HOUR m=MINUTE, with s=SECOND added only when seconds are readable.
h=5 m=45 s=19
